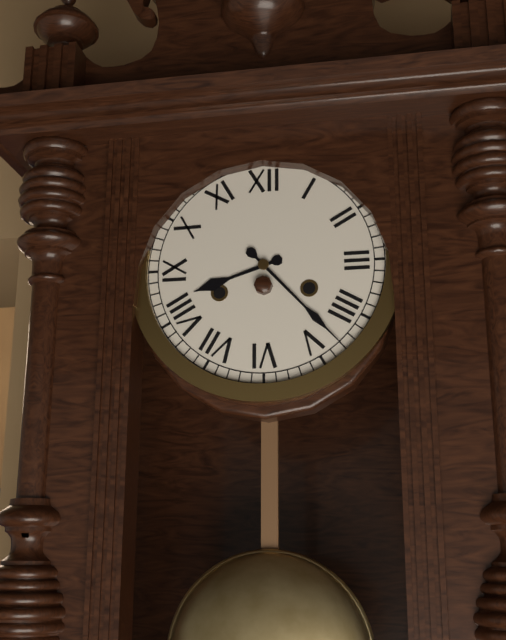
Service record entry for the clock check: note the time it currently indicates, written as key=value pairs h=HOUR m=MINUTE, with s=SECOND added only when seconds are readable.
h=8 m=23
